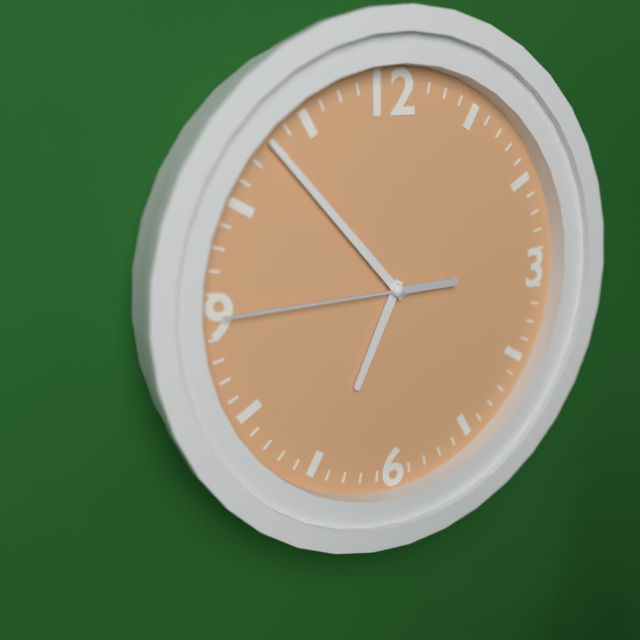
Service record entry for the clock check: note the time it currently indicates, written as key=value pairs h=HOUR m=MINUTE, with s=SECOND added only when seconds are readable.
h=6 m=53 s=45
